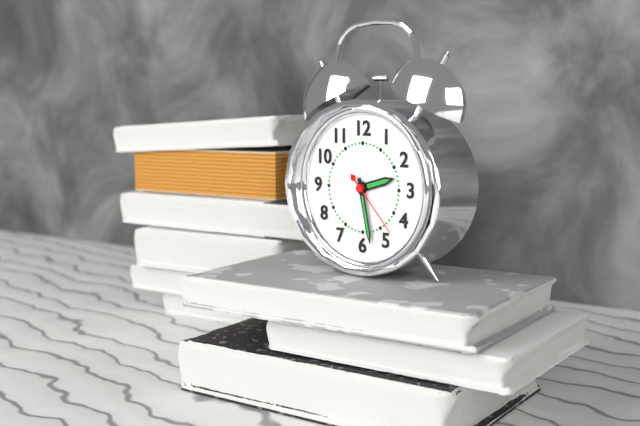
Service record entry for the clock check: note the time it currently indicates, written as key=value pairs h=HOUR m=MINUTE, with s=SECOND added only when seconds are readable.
h=2 m=28 s=23
